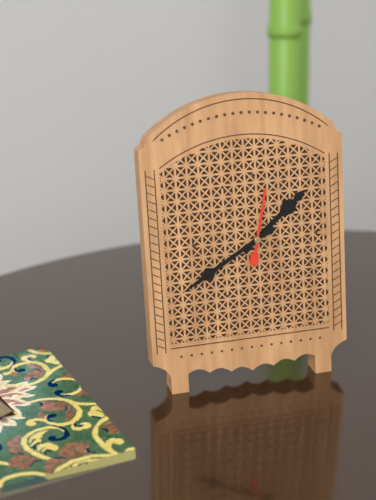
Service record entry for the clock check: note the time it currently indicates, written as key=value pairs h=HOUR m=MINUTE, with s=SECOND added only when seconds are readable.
h=1 m=40 s=2
